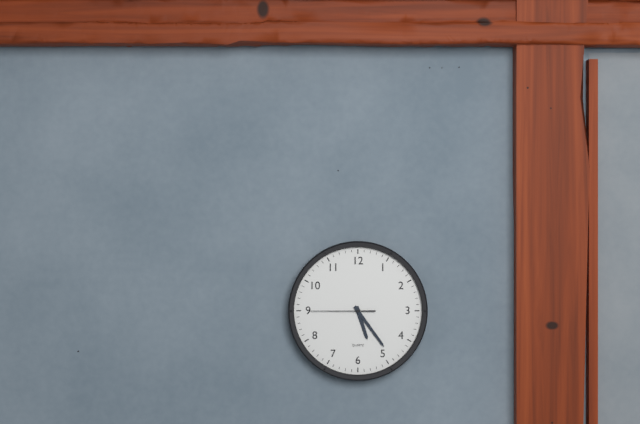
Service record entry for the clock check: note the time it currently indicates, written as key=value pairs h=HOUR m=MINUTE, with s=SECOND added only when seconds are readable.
h=5 m=24 s=45
